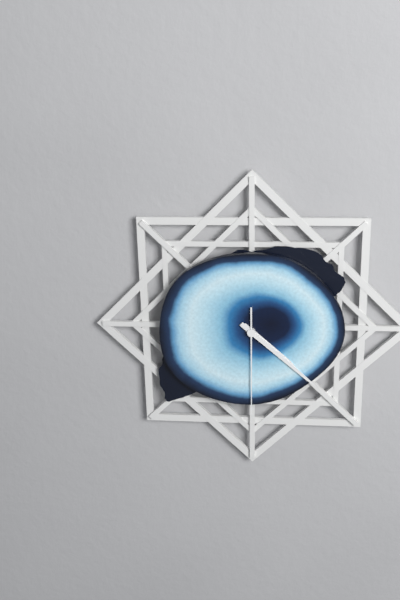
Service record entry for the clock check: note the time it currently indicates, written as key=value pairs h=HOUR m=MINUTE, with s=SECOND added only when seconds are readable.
h=4 m=22 s=30
